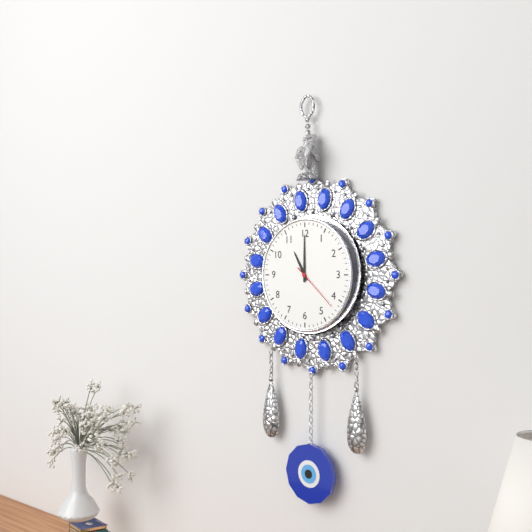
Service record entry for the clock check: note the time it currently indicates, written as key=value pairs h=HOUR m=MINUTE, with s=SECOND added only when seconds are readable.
h=11 m=0 s=22
